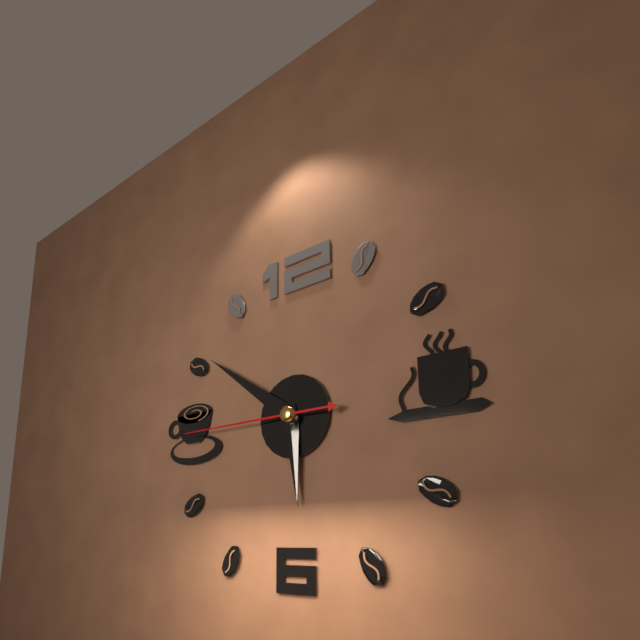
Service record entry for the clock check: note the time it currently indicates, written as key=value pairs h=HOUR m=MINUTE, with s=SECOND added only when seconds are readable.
h=5 m=51 s=45
